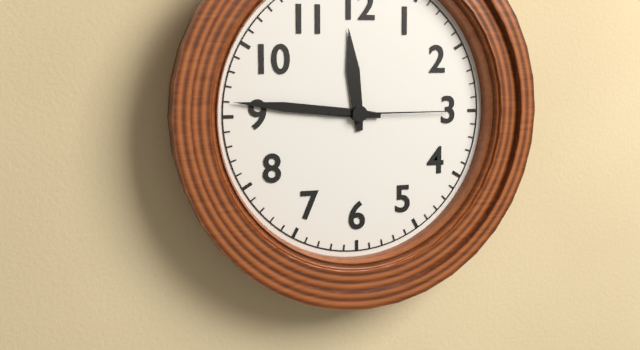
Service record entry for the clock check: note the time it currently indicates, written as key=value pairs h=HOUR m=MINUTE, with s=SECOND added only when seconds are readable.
h=11 m=46 s=15
